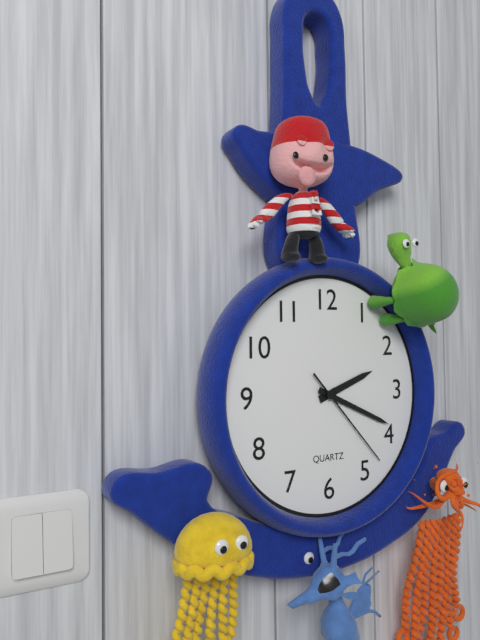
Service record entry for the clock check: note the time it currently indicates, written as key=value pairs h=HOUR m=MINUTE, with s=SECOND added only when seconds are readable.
h=2 m=19 s=23
